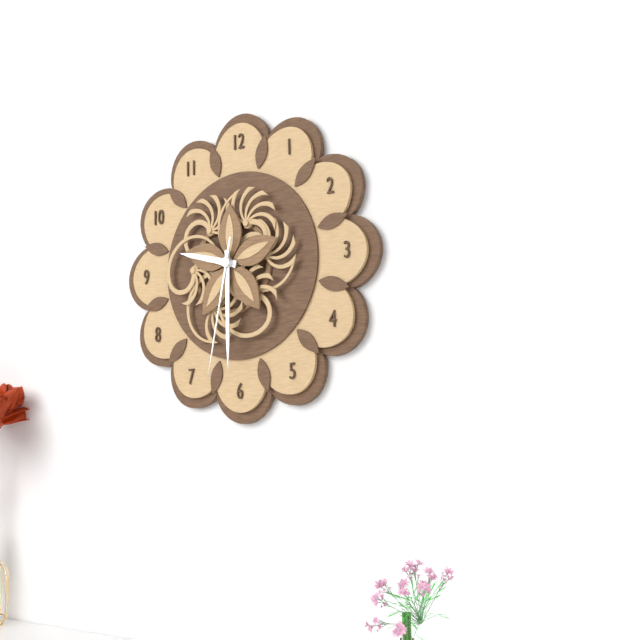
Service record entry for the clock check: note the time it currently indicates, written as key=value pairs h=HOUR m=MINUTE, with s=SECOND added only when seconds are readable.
h=9 m=30 s=32
